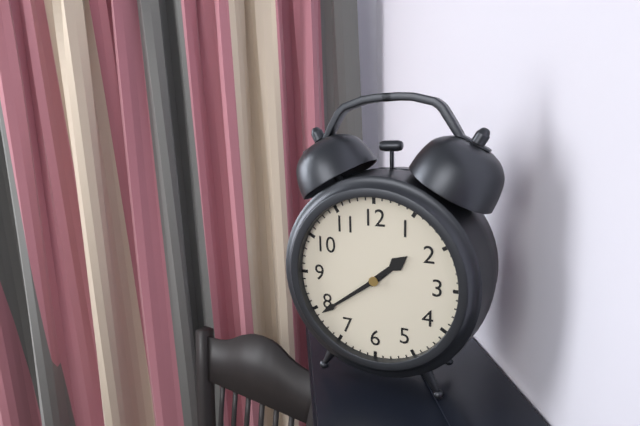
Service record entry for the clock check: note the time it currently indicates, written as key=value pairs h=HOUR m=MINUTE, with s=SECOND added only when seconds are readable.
h=1 m=39
